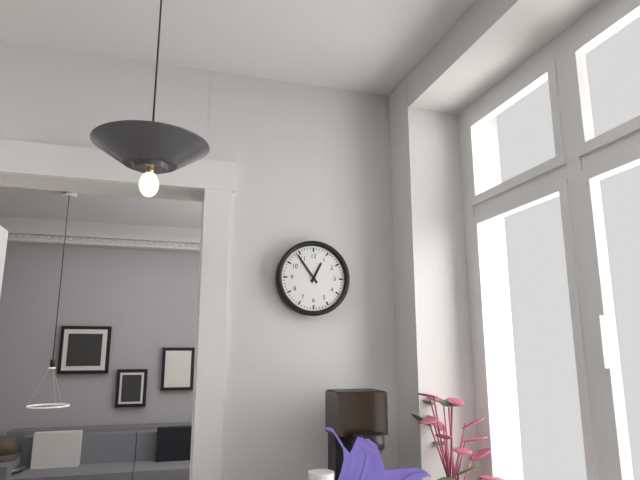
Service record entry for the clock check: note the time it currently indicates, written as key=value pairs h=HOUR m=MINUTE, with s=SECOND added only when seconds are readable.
h=12 m=54
